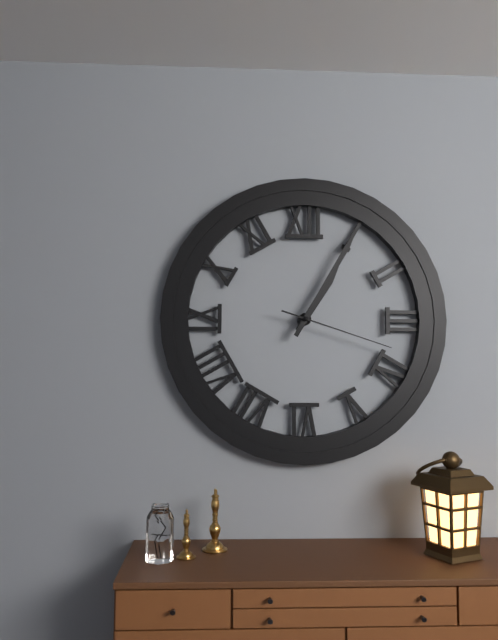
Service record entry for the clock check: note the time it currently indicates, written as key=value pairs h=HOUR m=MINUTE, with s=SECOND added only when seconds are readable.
h=1 m=5 s=18
